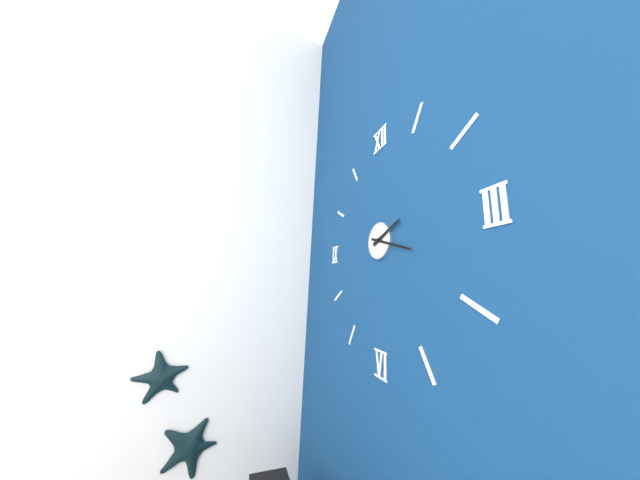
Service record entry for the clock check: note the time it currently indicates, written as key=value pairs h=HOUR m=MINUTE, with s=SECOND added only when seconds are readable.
h=2 m=18
